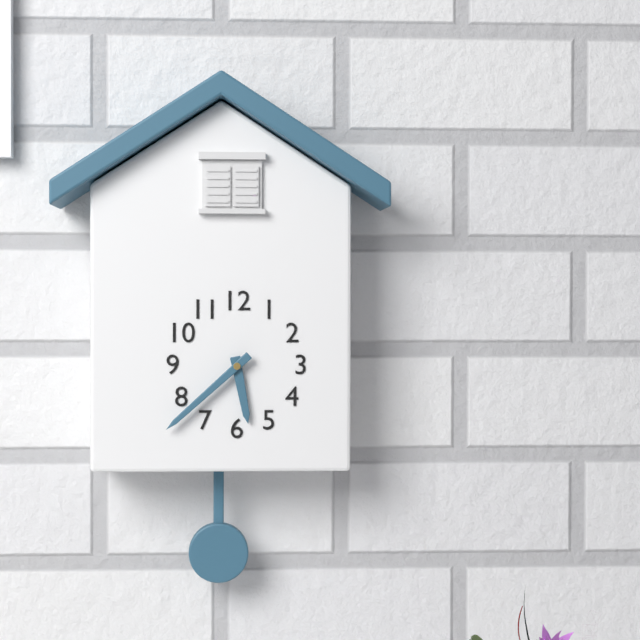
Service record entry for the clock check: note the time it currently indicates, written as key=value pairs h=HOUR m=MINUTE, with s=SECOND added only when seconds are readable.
h=5 m=38
